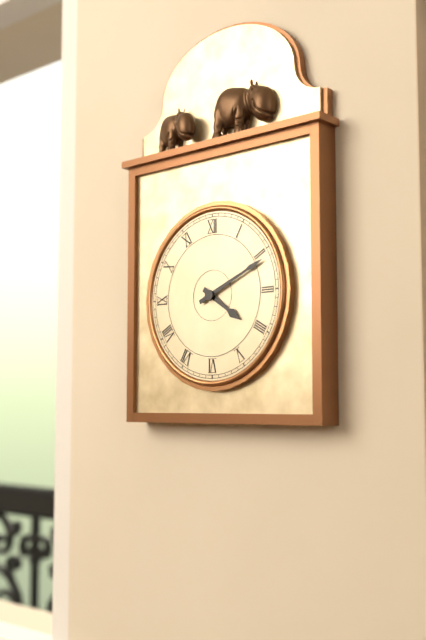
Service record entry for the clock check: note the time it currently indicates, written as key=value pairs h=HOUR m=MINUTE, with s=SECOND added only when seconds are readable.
h=4 m=11
